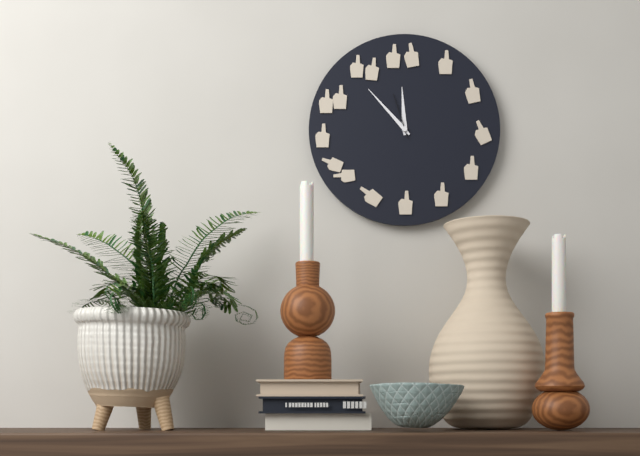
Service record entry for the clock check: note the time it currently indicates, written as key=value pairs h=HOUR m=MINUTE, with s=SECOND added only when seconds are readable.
h=11 m=53 s=57
